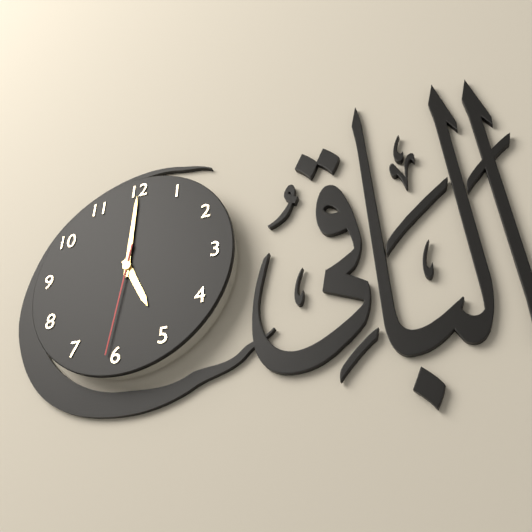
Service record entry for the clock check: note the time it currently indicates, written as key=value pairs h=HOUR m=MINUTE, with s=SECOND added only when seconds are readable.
h=5 m=0 s=31
